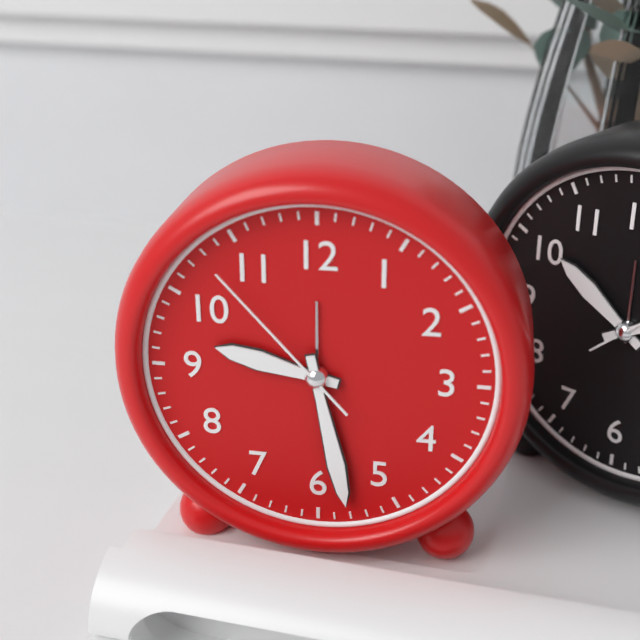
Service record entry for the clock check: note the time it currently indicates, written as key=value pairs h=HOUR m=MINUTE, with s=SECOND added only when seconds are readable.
h=9 m=28 s=53
